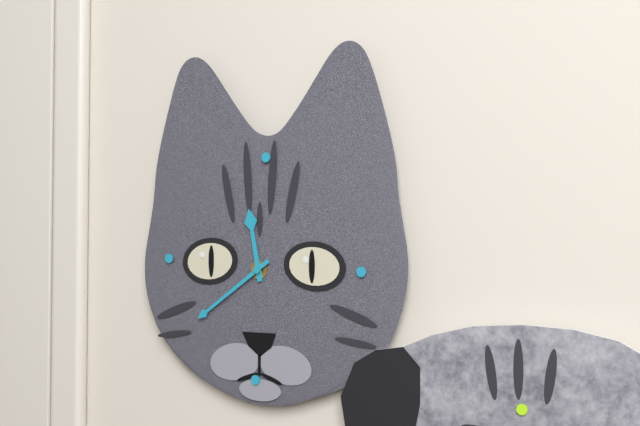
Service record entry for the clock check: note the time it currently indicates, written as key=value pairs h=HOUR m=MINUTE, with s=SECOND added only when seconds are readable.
h=11 m=39
